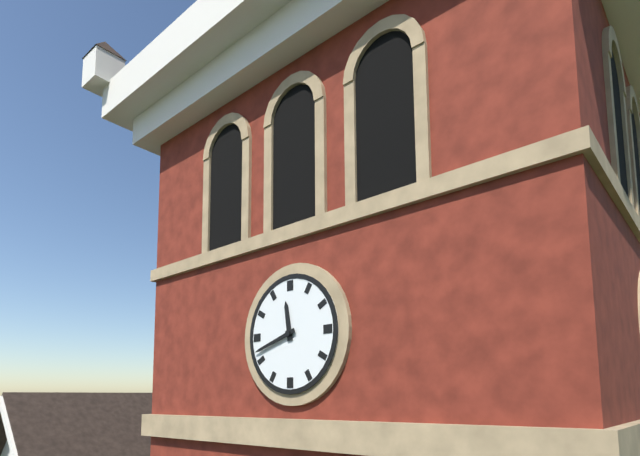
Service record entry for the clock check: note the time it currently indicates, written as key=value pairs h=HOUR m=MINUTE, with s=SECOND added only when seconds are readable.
h=11 m=42
